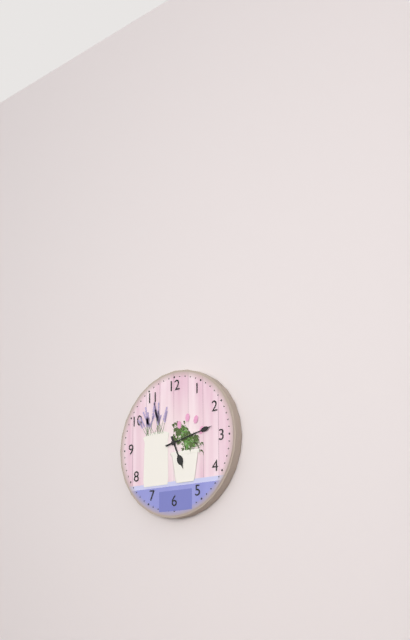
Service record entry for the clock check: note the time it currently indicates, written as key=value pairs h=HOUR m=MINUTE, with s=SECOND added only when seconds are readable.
h=5 m=13
